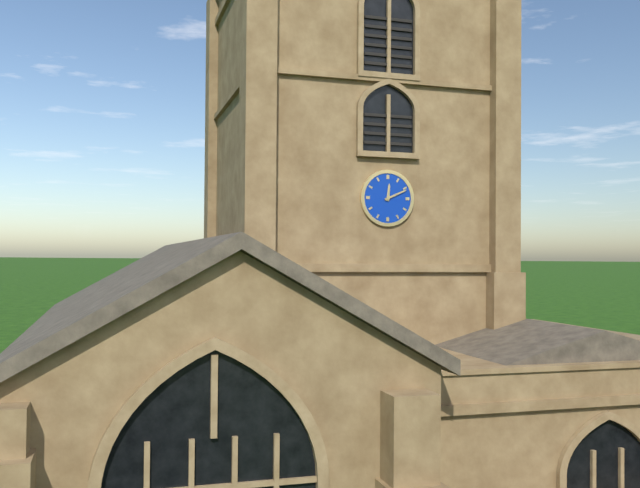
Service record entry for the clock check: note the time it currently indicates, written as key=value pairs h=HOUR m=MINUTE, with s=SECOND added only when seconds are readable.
h=12 m=11
